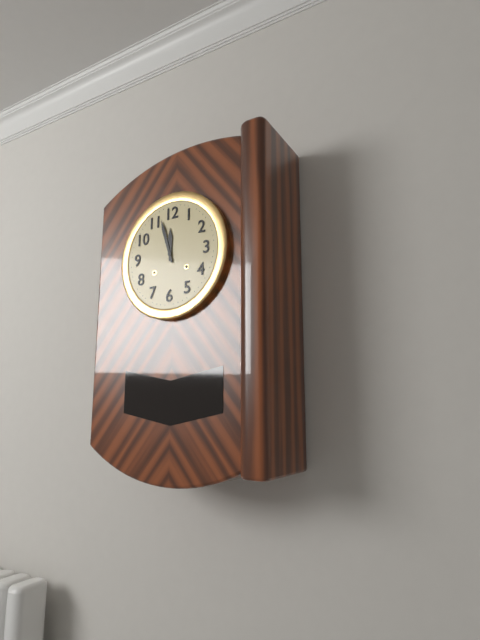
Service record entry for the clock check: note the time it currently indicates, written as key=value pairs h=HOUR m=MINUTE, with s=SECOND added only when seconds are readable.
h=11 m=57
